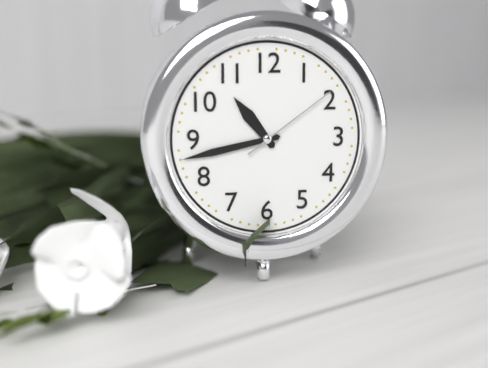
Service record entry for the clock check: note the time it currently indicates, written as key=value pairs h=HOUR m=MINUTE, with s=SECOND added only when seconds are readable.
h=10 m=43 s=9
